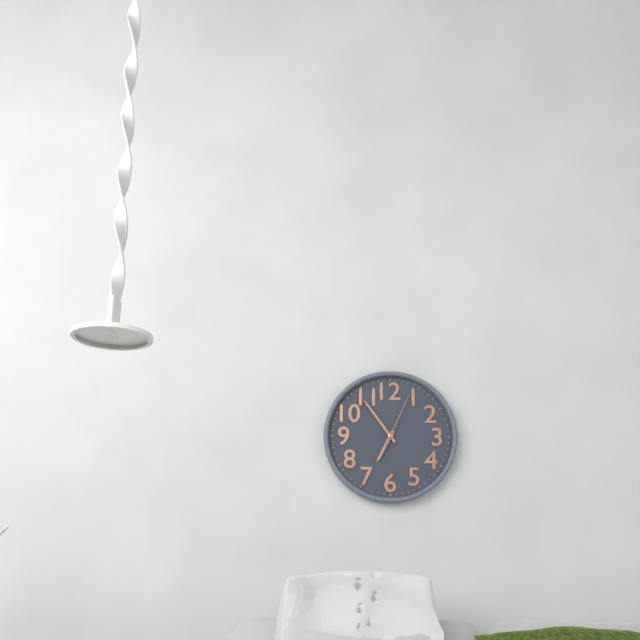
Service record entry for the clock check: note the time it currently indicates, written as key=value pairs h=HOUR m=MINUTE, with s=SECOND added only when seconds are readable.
h=6 m=54 s=4
